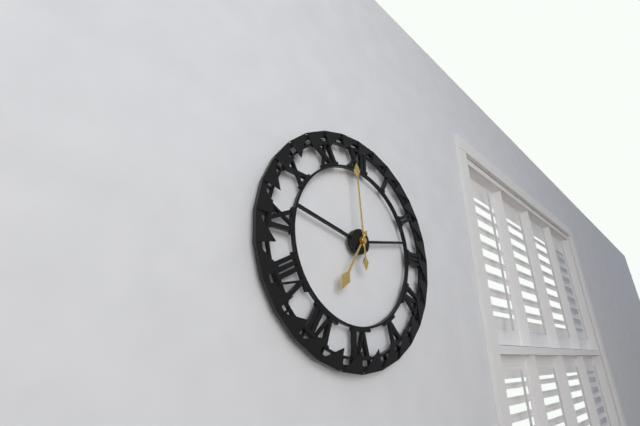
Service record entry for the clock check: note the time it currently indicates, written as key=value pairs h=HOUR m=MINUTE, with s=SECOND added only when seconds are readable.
h=6 m=59
